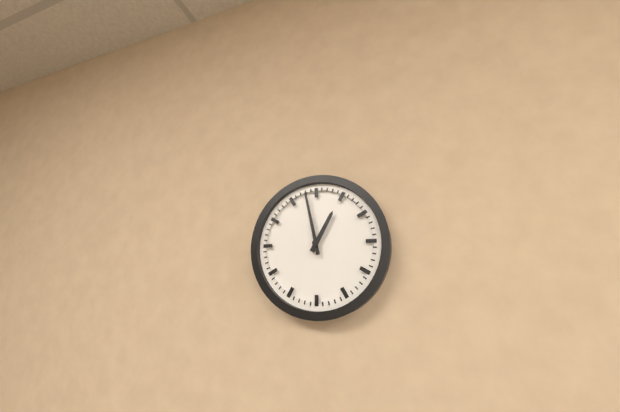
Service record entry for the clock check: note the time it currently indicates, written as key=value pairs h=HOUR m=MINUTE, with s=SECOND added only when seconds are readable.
h=12 m=58
